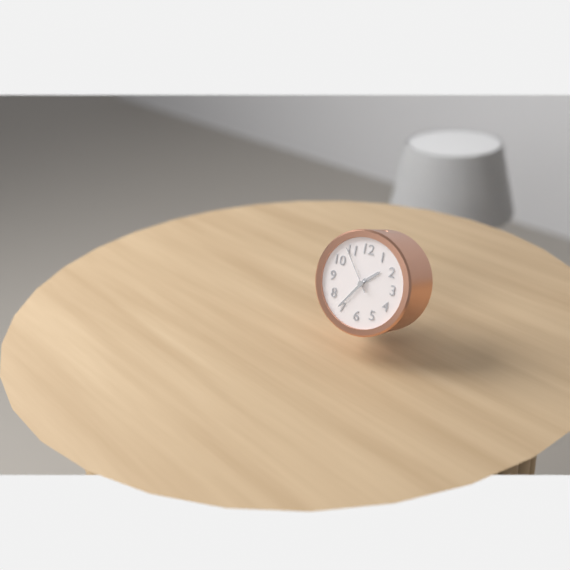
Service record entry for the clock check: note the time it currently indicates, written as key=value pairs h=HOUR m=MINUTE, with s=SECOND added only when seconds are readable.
h=1 m=36
